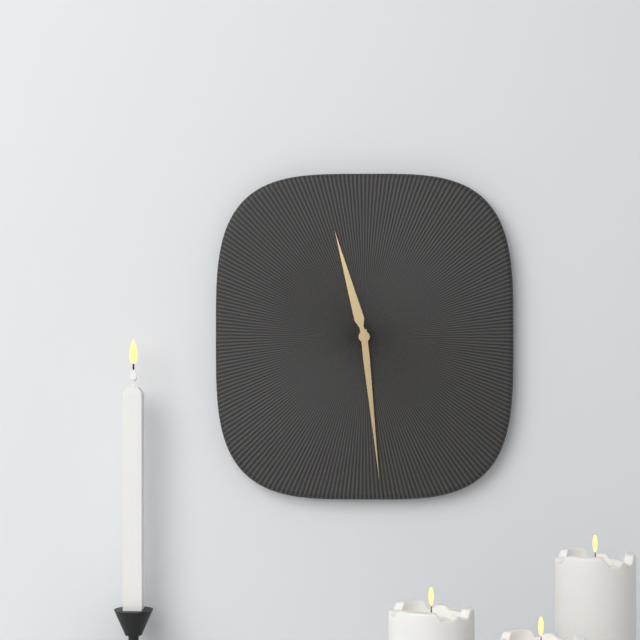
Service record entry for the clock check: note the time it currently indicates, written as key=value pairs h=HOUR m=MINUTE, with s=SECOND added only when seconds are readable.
h=11 m=29
